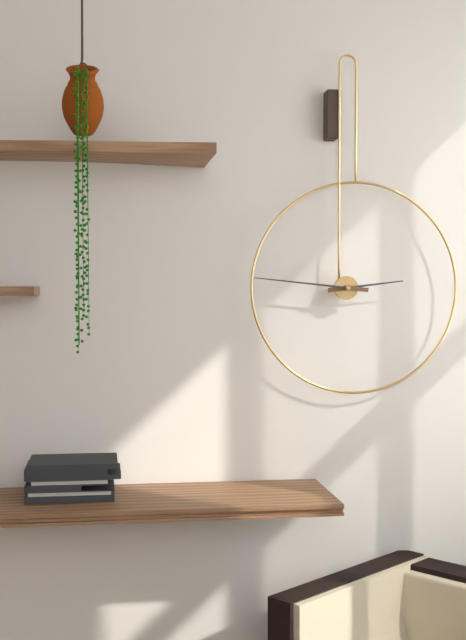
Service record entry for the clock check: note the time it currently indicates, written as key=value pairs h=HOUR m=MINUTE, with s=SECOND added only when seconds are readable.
h=2 m=46
